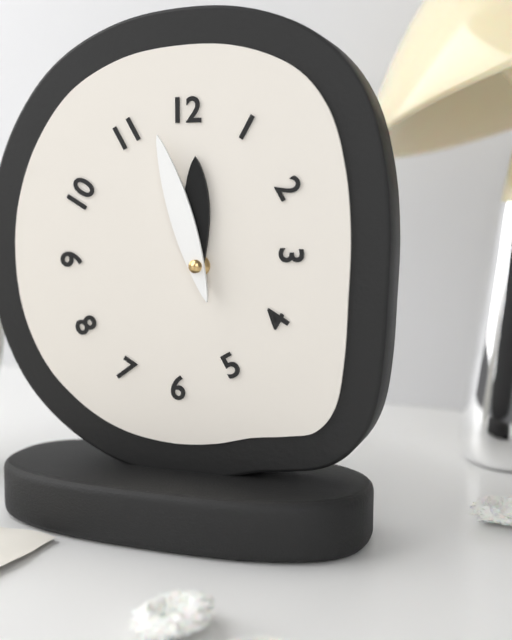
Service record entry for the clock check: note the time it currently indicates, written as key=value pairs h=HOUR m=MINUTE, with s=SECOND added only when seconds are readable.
h=11 m=57
